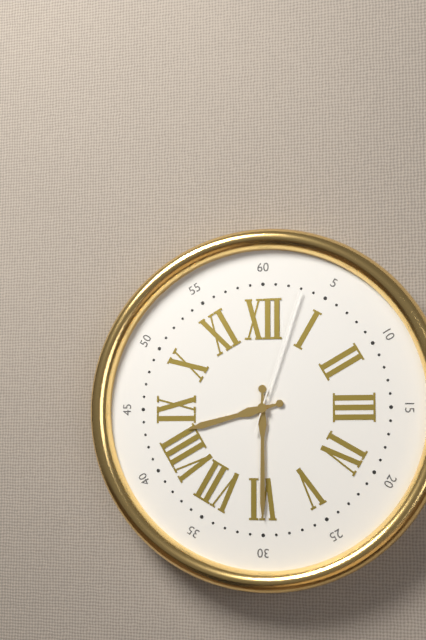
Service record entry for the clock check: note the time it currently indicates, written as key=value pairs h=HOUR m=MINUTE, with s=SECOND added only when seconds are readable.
h=8 m=30 s=3
